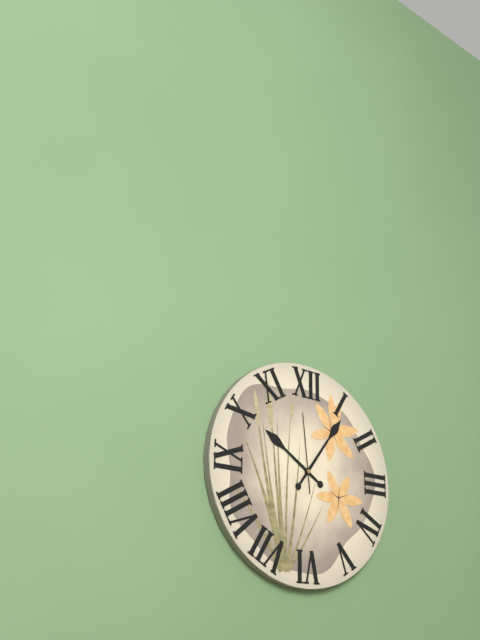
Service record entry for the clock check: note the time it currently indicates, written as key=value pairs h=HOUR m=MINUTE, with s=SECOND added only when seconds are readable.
h=10 m=6 s=59
